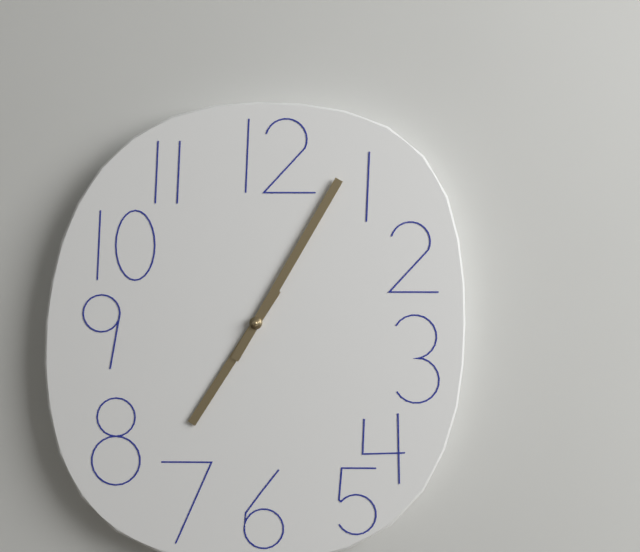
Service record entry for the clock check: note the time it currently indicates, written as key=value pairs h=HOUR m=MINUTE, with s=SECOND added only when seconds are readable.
h=7 m=5
